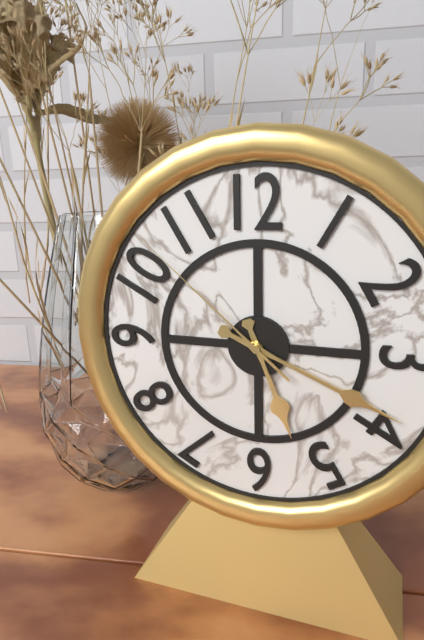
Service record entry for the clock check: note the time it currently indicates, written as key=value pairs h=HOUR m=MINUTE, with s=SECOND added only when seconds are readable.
h=5 m=19 s=52
